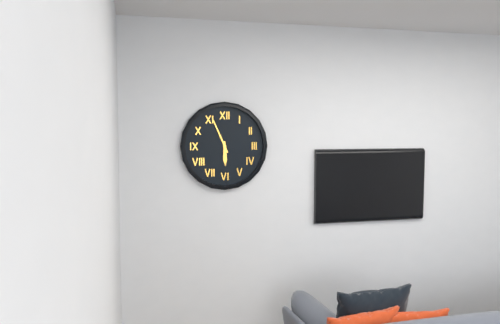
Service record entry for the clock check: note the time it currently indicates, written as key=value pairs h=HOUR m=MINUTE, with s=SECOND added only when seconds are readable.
h=5 m=56
